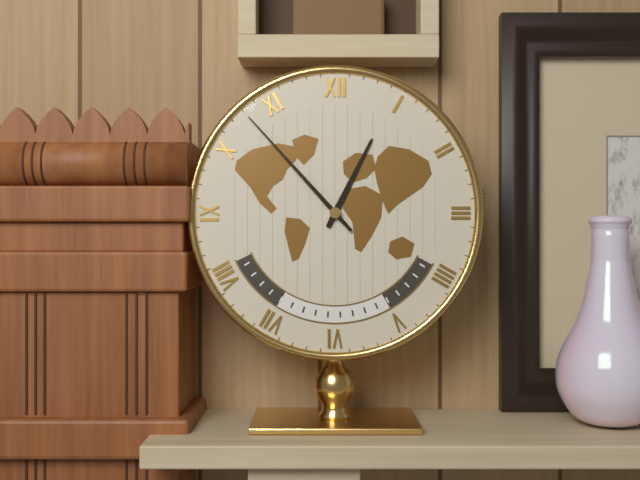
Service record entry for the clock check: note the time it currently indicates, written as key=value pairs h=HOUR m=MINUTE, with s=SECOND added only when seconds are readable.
h=12 m=53
